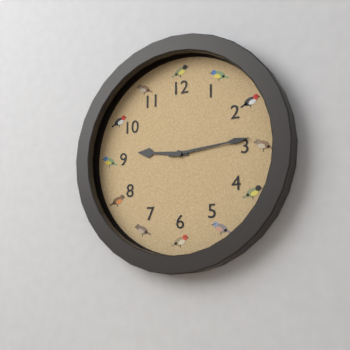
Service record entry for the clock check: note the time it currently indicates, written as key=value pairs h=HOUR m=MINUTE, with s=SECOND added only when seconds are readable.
h=9 m=14
